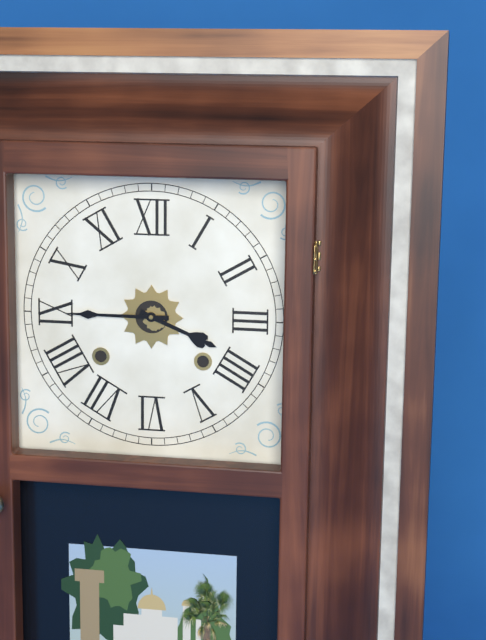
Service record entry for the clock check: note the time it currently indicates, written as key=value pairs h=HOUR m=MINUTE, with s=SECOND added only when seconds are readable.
h=3 m=45
